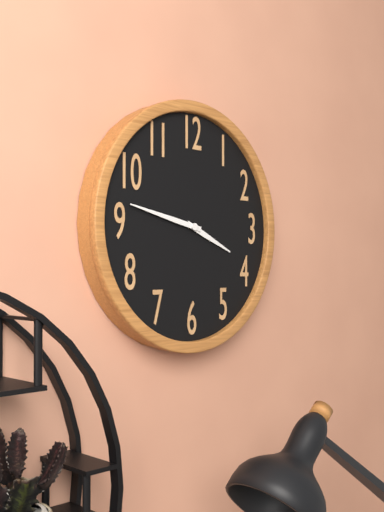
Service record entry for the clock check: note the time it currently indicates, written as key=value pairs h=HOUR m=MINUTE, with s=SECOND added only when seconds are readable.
h=3 m=47
